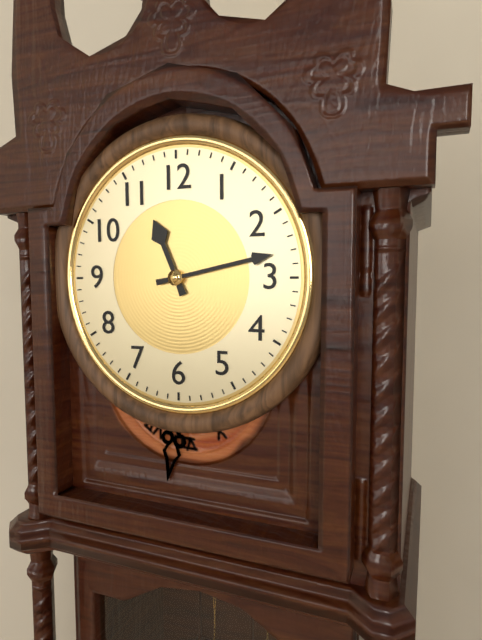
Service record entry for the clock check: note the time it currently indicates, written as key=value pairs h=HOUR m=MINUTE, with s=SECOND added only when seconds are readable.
h=11 m=13
